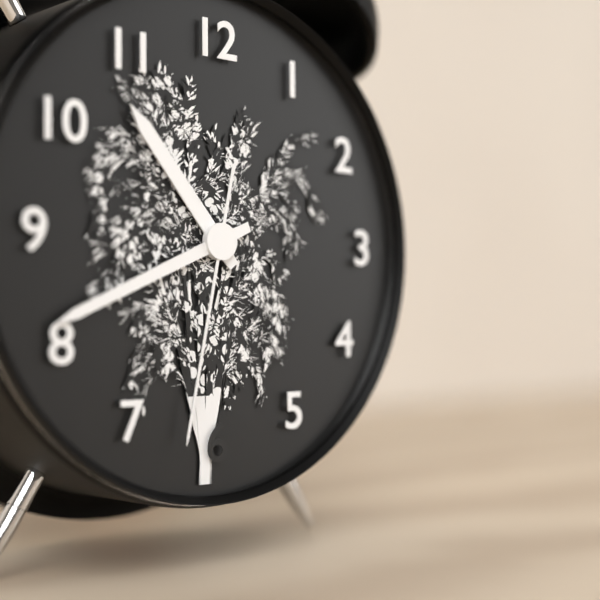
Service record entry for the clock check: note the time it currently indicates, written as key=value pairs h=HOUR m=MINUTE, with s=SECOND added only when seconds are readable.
h=10 m=41 s=32
